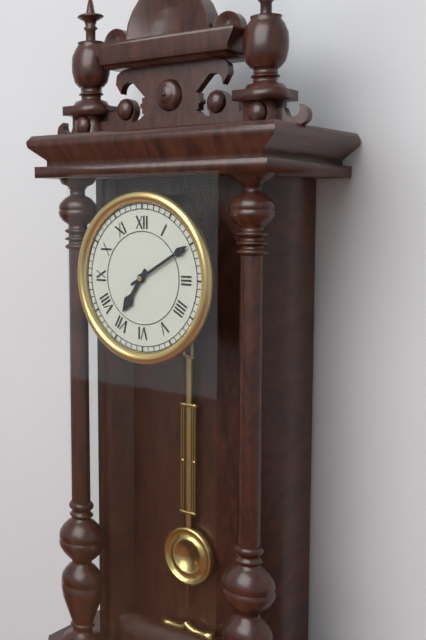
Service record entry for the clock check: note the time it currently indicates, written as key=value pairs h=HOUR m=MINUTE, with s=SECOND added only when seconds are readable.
h=7 m=10
